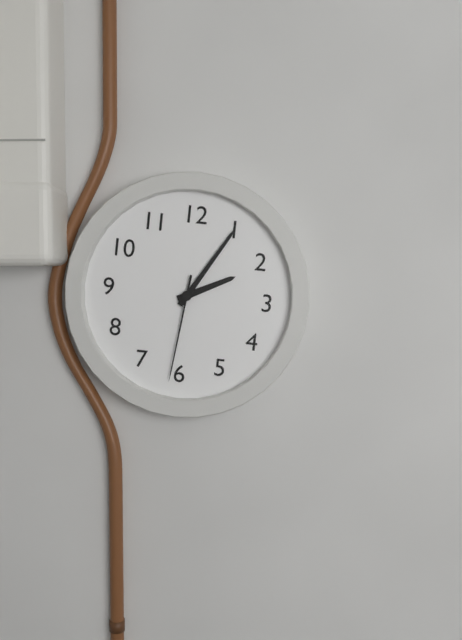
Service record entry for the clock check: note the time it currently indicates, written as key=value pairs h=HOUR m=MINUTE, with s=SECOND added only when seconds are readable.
h=2 m=5 s=31
